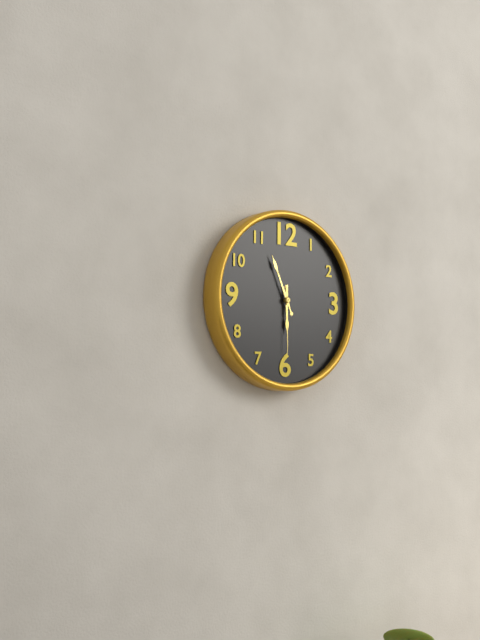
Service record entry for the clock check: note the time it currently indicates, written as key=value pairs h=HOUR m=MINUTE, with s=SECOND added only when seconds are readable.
h=5 m=56 s=30
